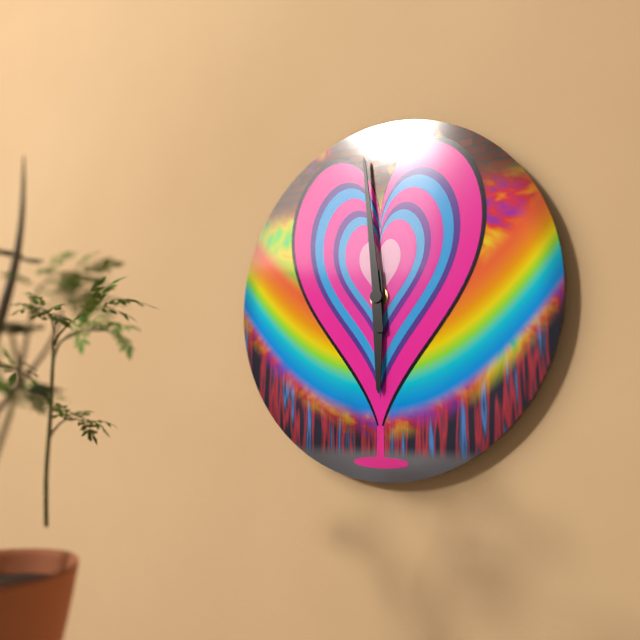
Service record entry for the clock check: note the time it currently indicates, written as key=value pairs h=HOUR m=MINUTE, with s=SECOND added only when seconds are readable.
h=5 m=59
